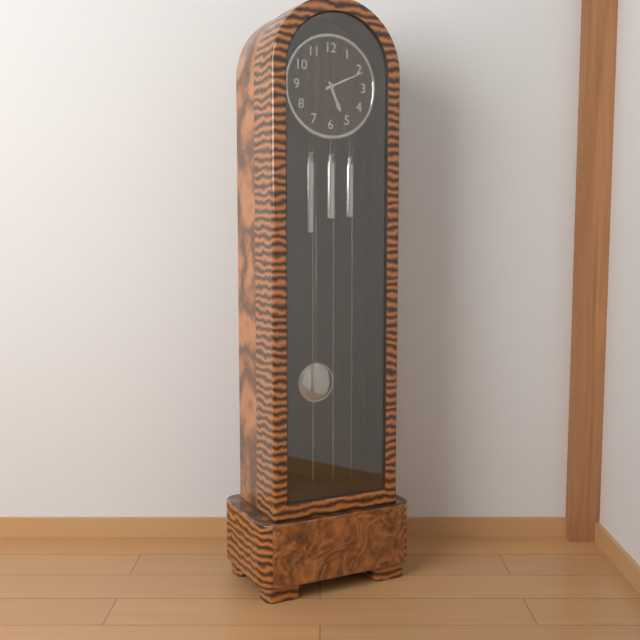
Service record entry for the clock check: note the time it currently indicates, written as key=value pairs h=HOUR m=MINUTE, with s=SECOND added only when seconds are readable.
h=5 m=11
